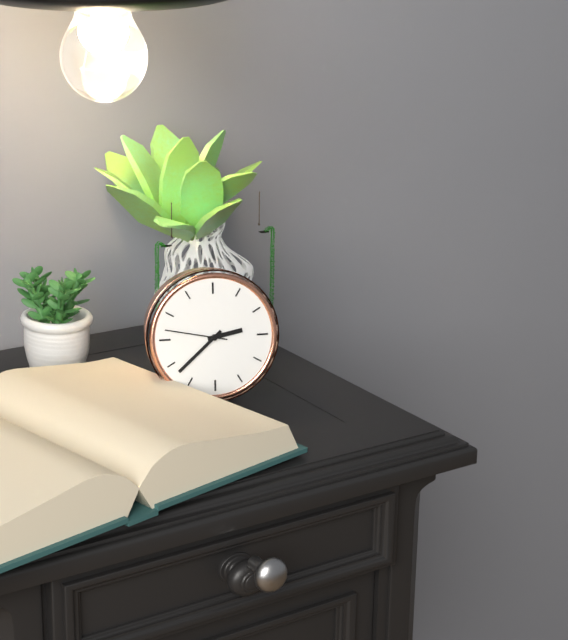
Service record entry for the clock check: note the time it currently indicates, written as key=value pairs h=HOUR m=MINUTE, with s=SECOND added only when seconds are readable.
h=2 m=38 s=47
